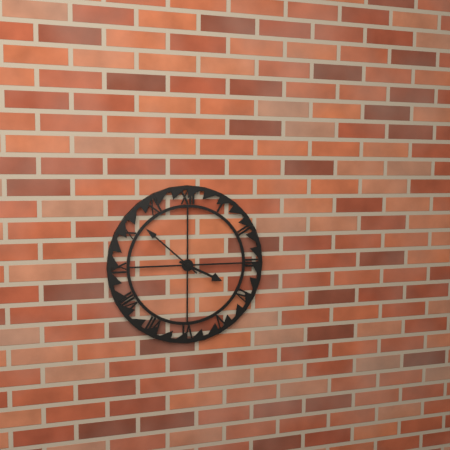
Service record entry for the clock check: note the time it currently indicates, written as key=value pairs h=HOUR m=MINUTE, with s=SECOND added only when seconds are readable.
h=3 m=52
